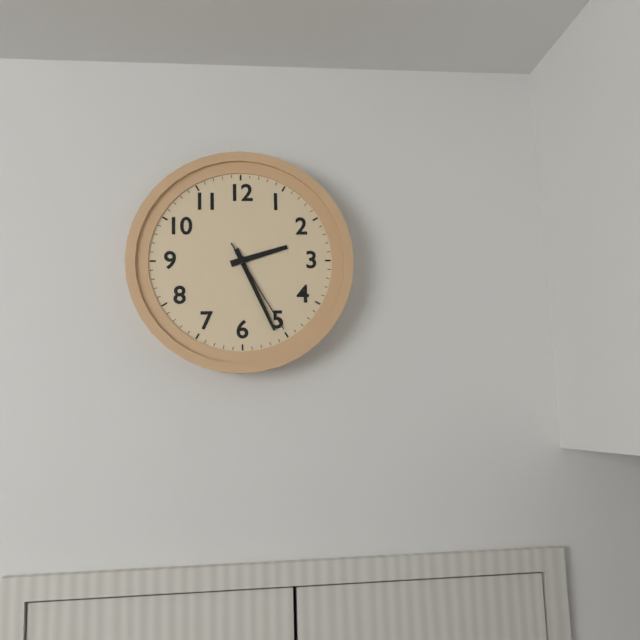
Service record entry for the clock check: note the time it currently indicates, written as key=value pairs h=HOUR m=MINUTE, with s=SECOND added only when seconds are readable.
h=2 m=26 s=25
